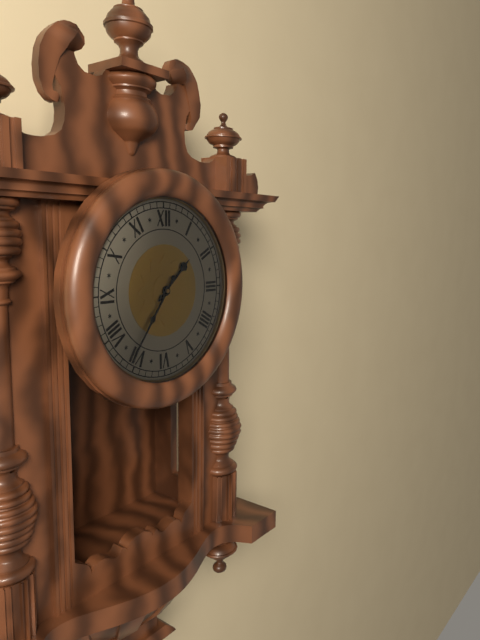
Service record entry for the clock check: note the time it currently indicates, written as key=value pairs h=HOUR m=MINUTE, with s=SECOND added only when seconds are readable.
h=1 m=36
